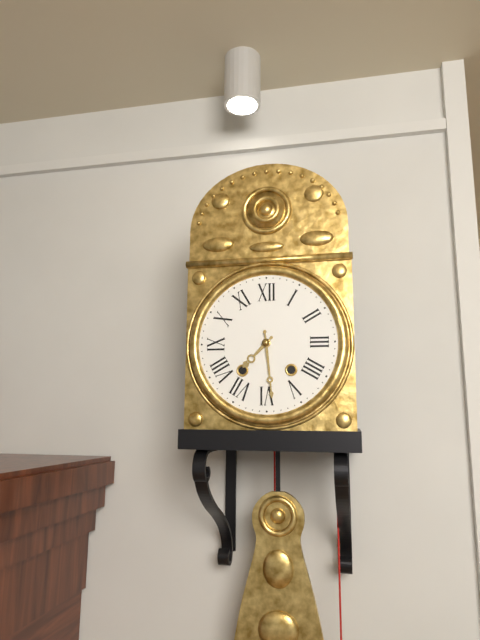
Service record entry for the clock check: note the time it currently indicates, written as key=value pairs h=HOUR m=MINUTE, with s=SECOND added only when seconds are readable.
h=7 m=29
